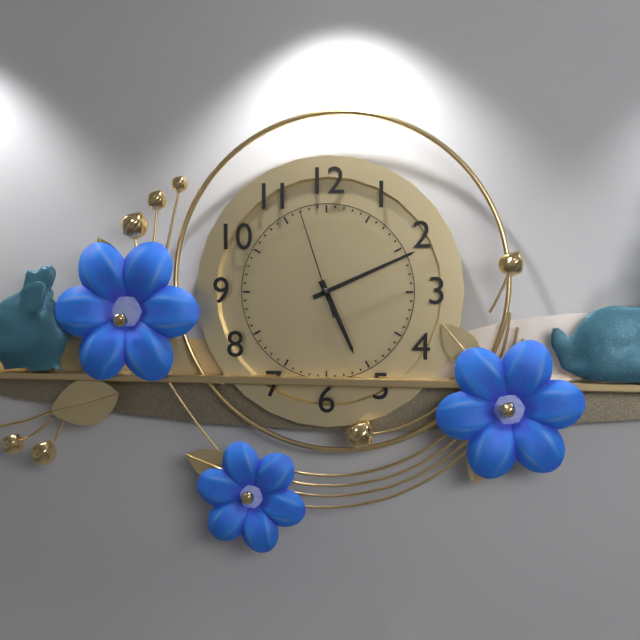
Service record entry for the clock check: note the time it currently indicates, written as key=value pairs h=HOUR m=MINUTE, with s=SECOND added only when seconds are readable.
h=5 m=11 s=57
